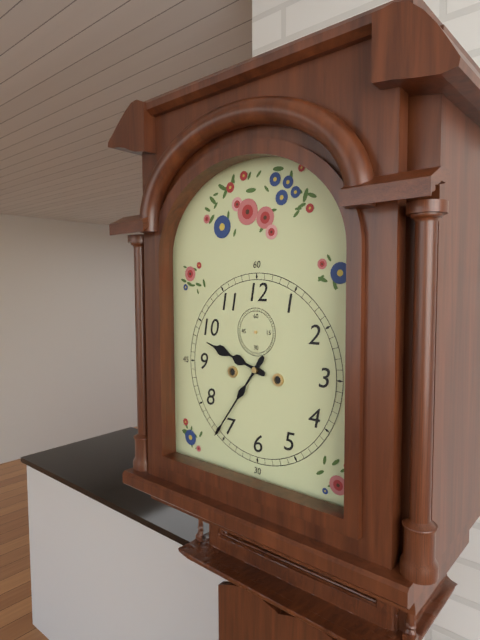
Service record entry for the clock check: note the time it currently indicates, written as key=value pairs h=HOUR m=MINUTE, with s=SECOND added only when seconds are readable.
h=9 m=36
